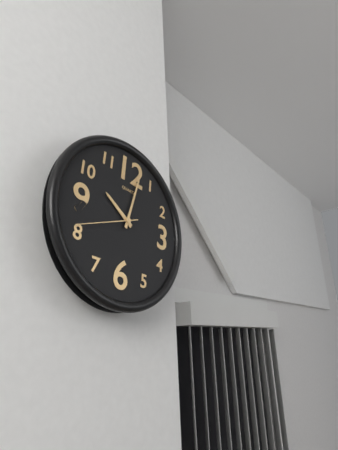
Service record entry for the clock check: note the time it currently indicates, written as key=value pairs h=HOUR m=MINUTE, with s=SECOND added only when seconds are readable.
h=10 m=2 s=41
